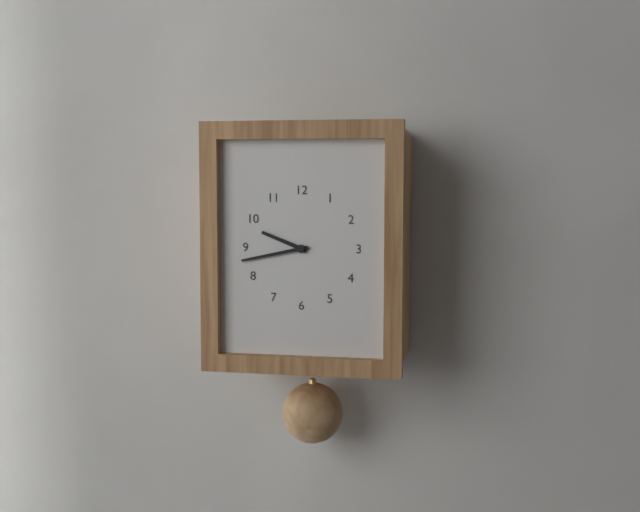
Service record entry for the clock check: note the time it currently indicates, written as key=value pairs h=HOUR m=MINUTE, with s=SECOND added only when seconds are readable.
h=9 m=43
